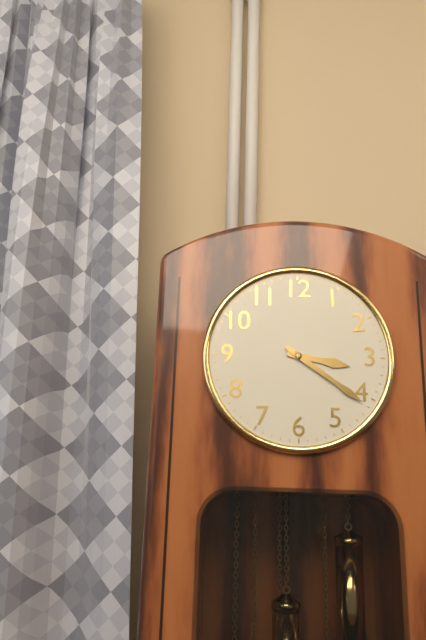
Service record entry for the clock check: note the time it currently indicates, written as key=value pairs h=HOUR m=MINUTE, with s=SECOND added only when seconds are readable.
h=3 m=21
